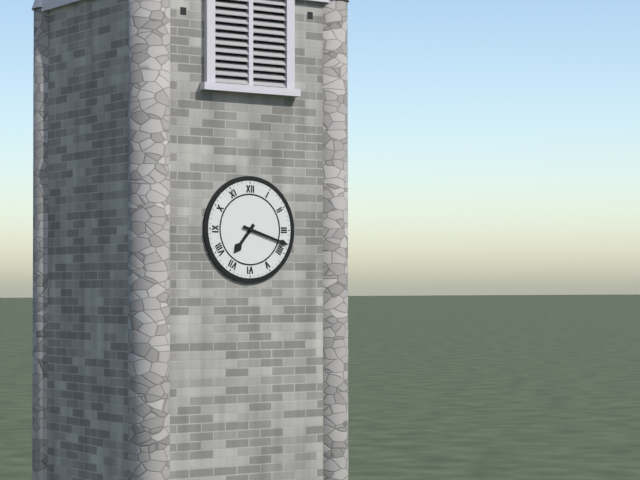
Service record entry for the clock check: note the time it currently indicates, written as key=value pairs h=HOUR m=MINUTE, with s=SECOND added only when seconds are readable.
h=7 m=18
